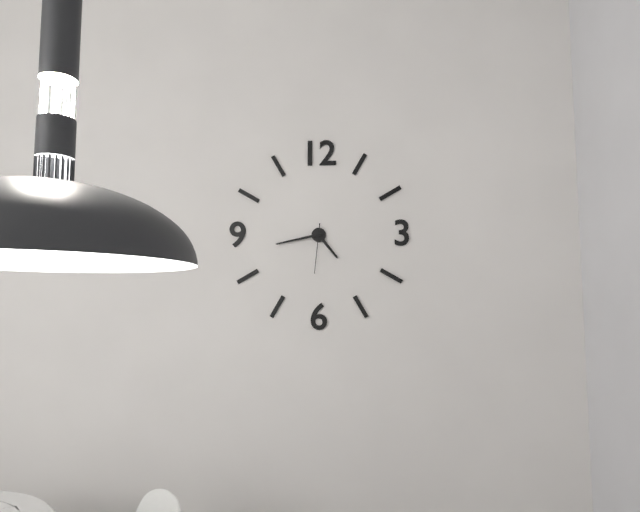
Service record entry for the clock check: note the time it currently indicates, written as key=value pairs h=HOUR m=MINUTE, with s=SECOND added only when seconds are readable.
h=4 m=43
